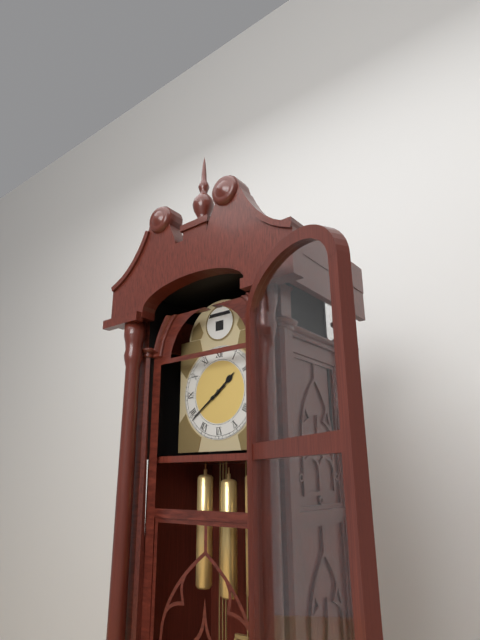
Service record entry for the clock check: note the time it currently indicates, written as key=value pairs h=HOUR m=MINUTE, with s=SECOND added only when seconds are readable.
h=1 m=39
